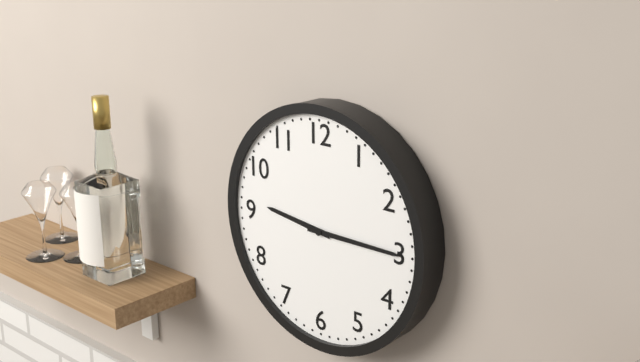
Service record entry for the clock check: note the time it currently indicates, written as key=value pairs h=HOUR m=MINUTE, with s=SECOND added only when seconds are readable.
h=9 m=15
